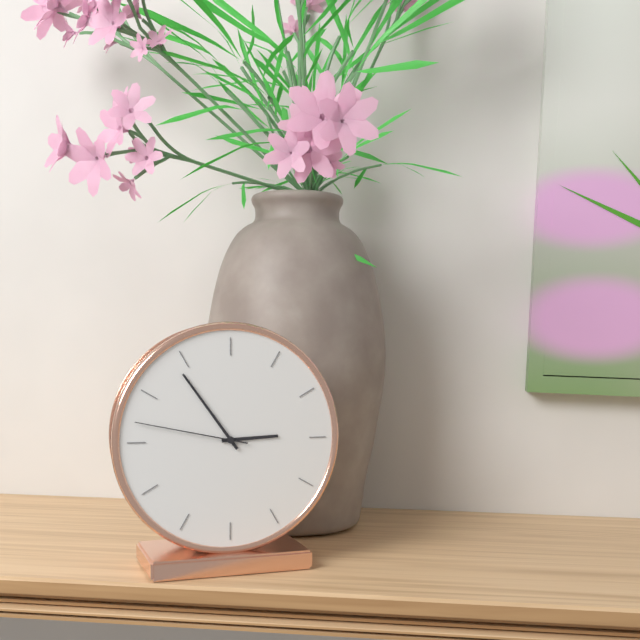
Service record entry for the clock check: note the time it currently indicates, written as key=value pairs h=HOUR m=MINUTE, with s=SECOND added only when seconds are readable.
h=2 m=54 s=47
